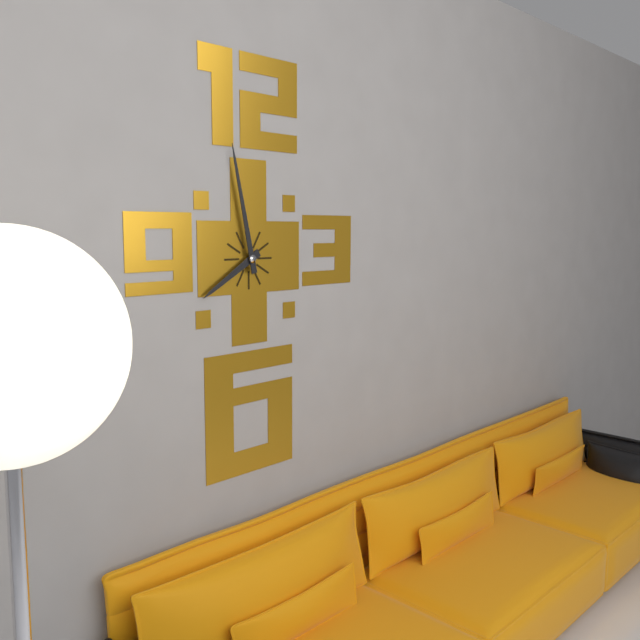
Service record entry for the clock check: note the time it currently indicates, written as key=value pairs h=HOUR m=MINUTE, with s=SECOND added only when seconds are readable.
h=7 m=58
